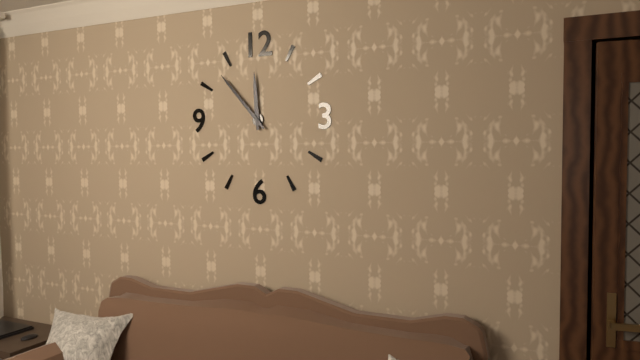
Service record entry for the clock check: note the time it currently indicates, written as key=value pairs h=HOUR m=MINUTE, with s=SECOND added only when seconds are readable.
h=11 m=53
